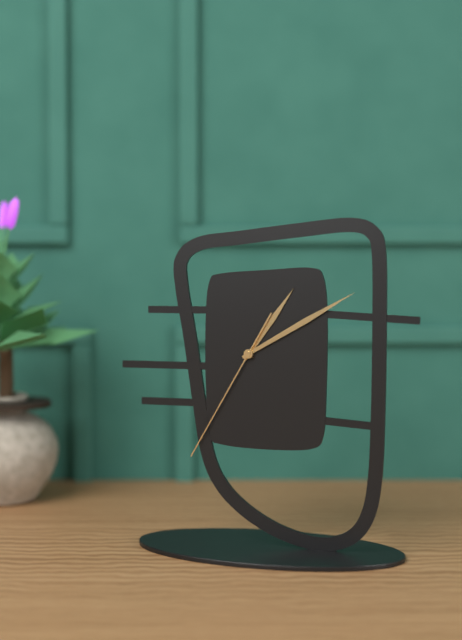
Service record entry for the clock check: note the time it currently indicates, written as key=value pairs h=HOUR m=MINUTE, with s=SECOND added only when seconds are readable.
h=1 m=10 s=35
